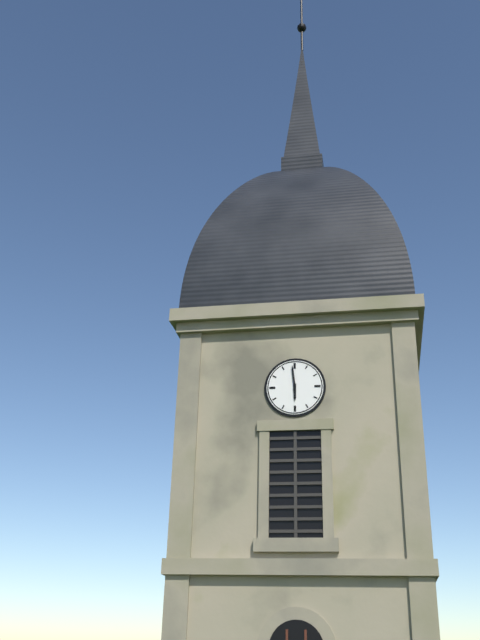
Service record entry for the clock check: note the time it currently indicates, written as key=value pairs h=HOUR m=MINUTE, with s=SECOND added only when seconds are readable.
h=5 m=59
